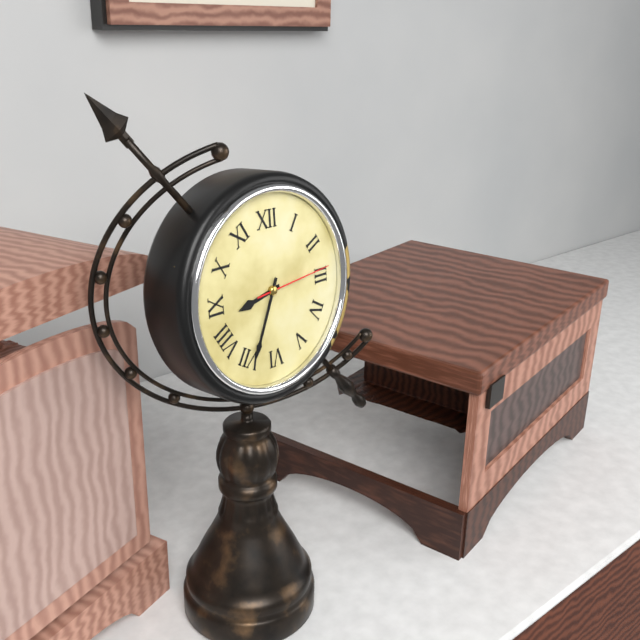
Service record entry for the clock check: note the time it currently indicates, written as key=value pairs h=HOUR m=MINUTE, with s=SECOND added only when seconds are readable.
h=8 m=34 s=14
